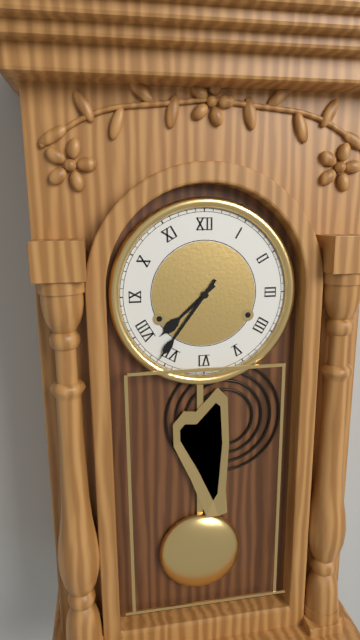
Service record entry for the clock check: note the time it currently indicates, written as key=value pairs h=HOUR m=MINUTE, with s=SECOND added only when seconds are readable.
h=7 m=36
